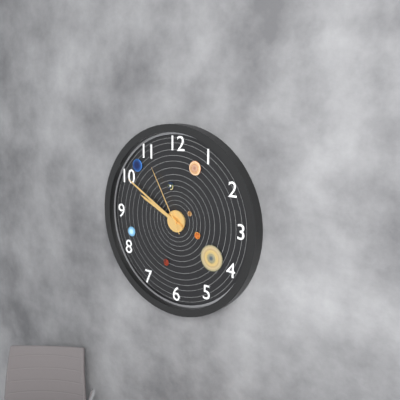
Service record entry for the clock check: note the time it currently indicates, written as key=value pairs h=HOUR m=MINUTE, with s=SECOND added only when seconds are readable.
h=9 m=50 s=55
